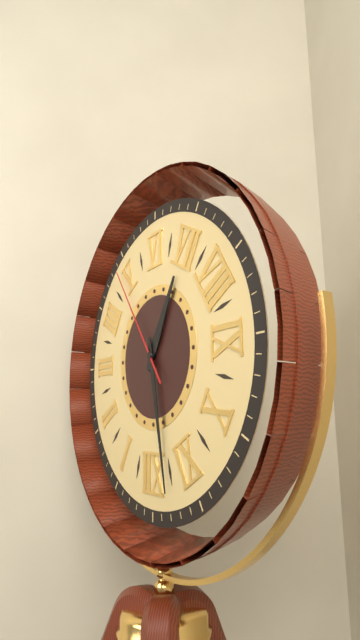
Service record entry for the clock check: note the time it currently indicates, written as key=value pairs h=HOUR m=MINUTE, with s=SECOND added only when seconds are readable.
h=6 m=58 s=24
